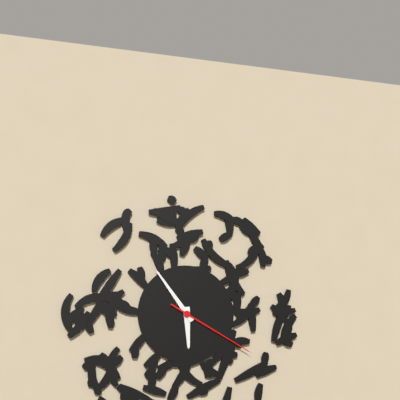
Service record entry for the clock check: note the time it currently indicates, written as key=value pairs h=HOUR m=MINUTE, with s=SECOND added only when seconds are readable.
h=5 m=54 s=20
